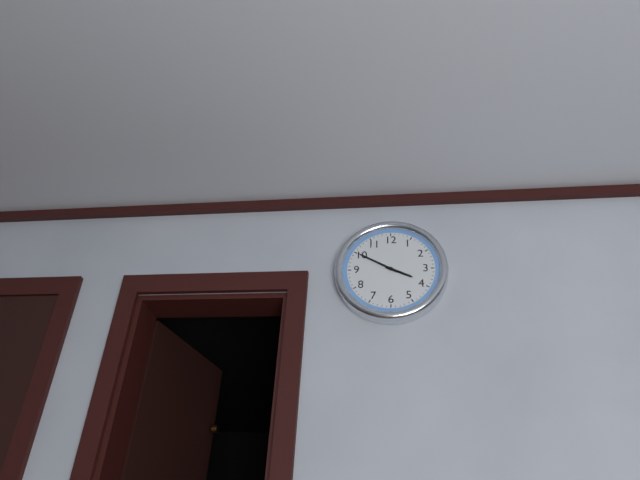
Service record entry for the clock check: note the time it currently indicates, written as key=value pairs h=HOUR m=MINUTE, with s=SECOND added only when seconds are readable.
h=3 m=50
